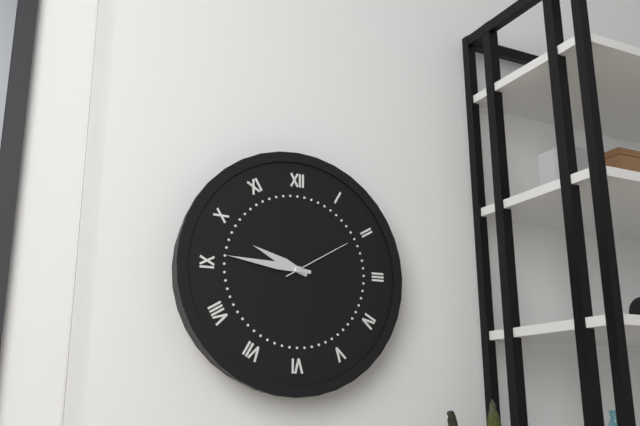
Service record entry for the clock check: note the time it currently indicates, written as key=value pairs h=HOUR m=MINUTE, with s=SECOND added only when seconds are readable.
h=9 m=46 s=10
